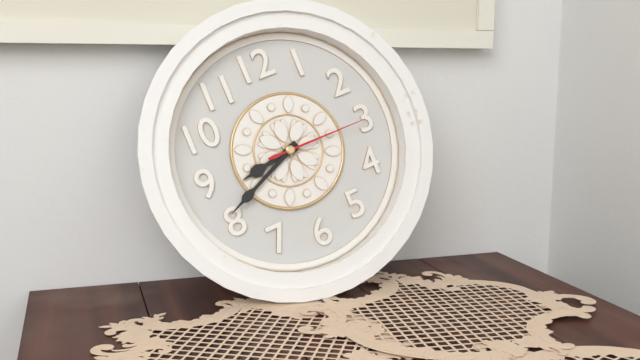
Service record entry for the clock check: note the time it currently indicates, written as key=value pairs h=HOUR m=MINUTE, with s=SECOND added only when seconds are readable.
h=8 m=41 s=15
